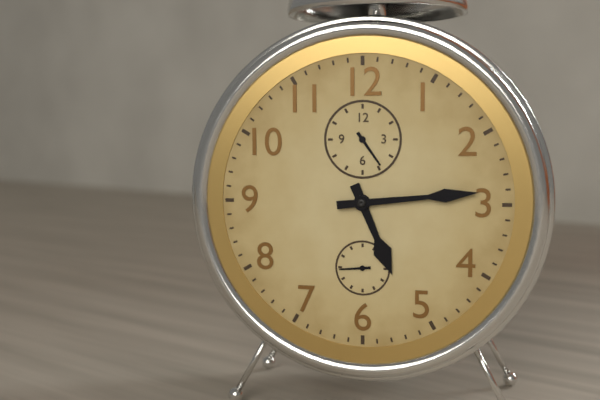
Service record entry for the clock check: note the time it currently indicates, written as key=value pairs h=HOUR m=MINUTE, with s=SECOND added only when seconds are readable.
h=5 m=14
